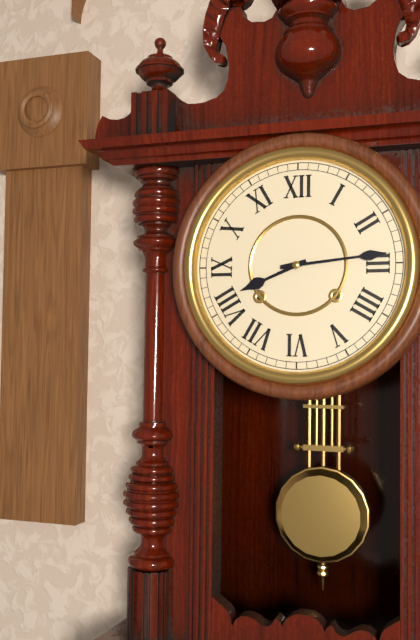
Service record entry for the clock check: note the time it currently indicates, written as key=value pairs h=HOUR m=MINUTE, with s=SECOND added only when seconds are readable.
h=8 m=14
